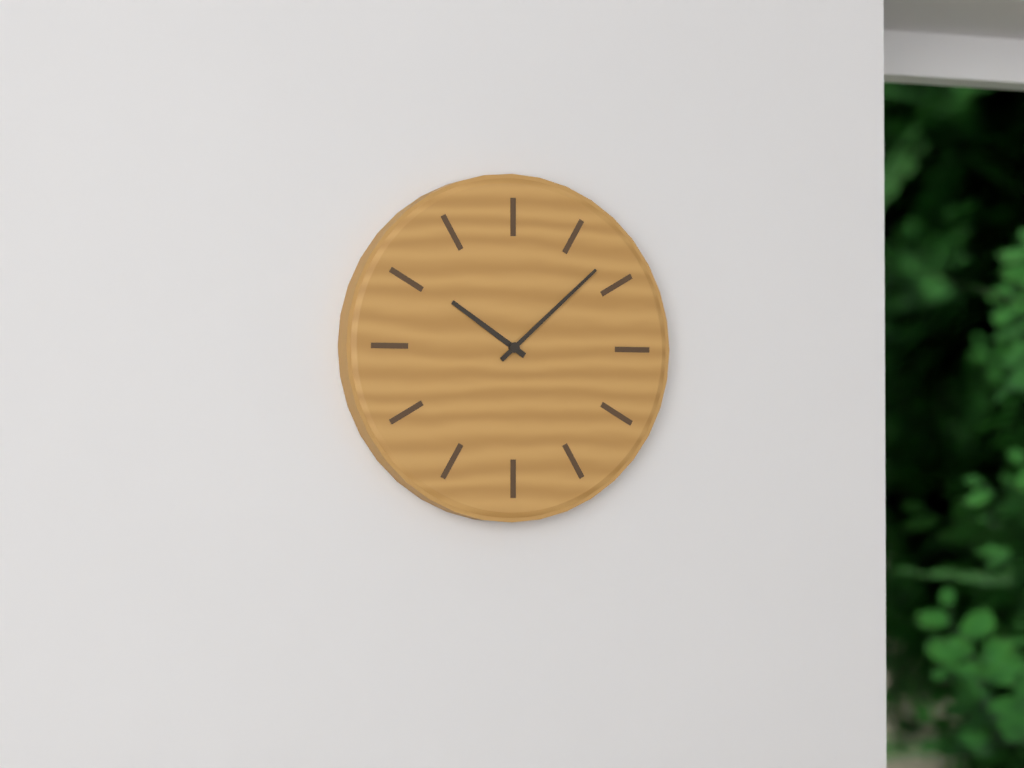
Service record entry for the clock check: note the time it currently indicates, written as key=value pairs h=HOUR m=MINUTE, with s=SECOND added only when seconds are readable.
h=10 m=8
